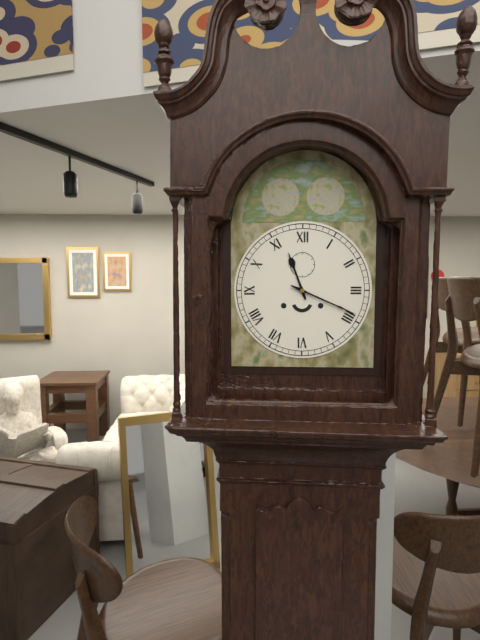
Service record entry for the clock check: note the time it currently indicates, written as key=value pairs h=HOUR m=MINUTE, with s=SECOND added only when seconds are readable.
h=11 m=19
